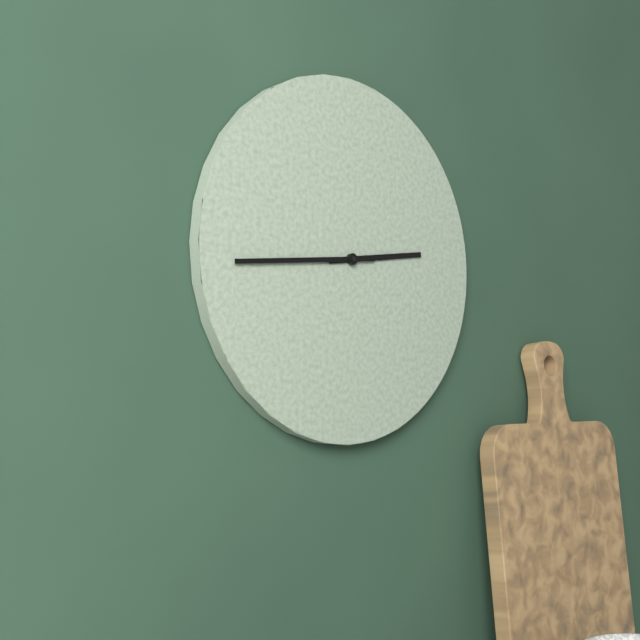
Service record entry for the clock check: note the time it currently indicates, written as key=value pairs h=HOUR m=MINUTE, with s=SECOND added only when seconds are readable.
h=2 m=44
